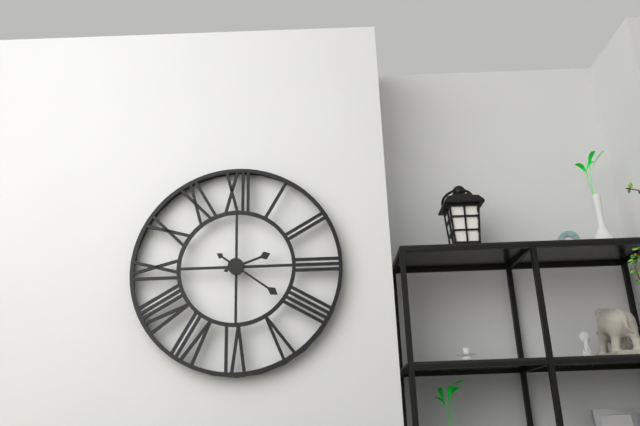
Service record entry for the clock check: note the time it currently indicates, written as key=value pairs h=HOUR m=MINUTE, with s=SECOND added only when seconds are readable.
h=2 m=21
